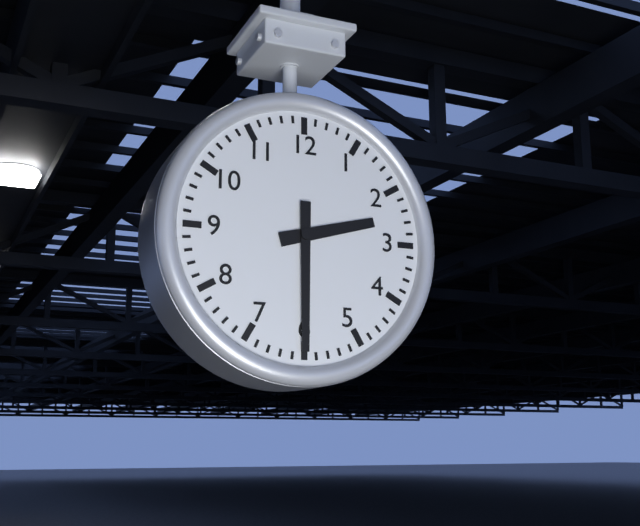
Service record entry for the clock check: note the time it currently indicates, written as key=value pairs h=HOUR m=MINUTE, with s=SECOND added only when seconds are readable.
h=2 m=30
